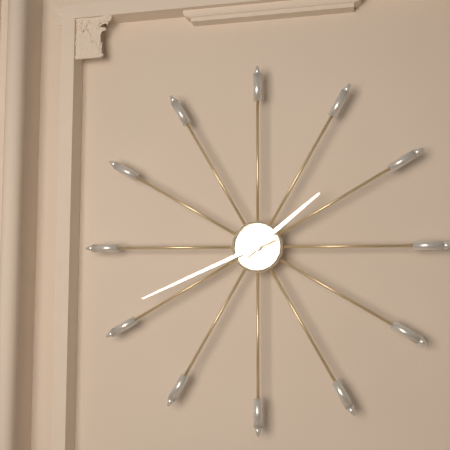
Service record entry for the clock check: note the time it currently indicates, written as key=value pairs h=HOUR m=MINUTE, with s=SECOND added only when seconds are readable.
h=1 m=41
